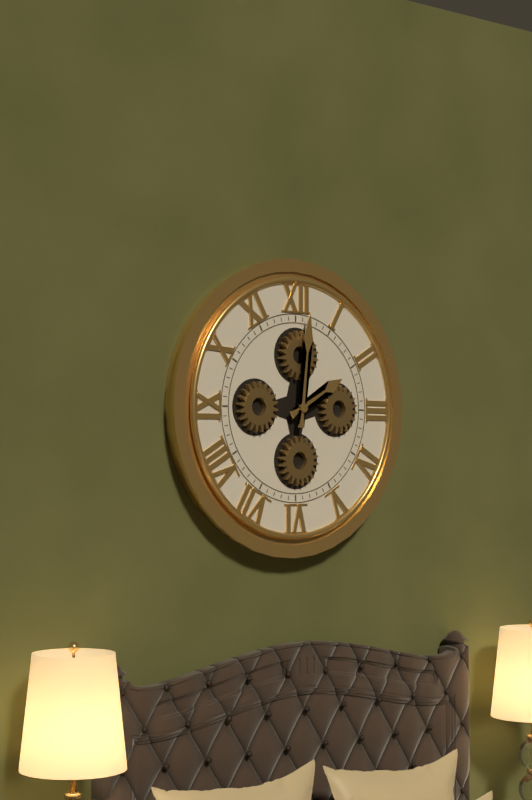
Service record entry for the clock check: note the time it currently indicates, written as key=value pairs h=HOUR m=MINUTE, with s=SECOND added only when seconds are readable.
h=2 m=1
